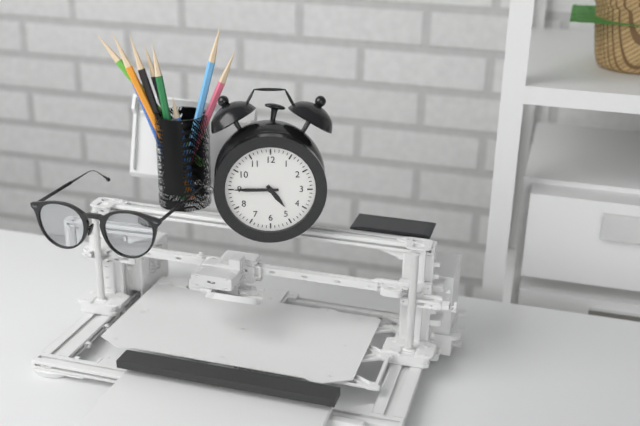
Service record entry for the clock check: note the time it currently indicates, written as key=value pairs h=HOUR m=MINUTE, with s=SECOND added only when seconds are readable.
h=4 m=45
